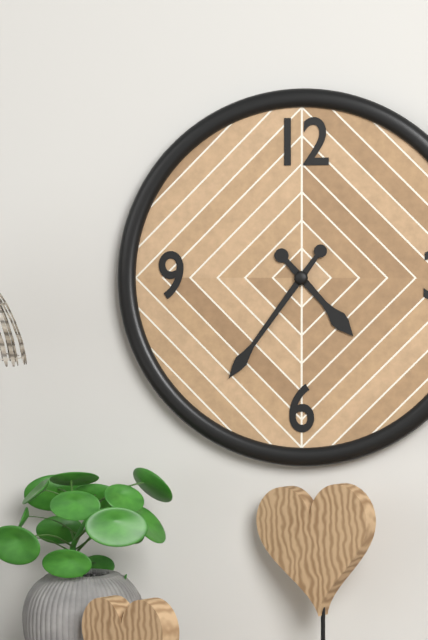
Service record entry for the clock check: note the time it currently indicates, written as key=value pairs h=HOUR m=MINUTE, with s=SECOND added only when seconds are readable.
h=4 m=36
